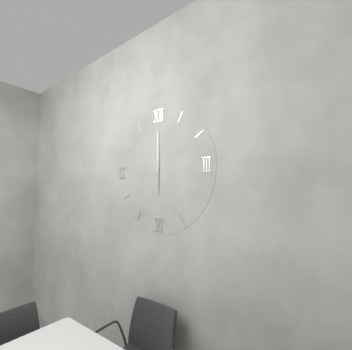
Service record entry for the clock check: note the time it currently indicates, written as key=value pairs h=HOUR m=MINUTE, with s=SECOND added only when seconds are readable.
h=6 m=0
